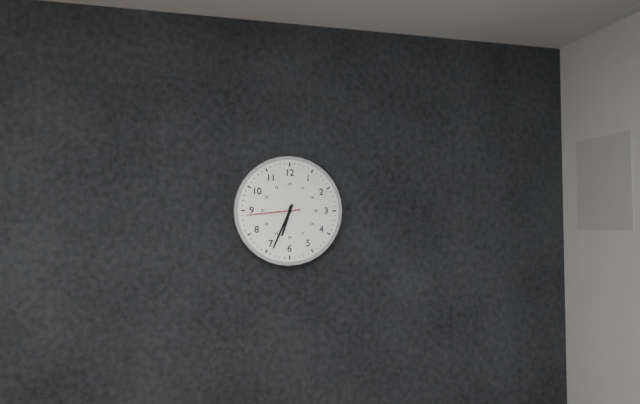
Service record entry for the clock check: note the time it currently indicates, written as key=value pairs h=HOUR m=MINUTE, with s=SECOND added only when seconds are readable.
h=6 m=34 s=44
